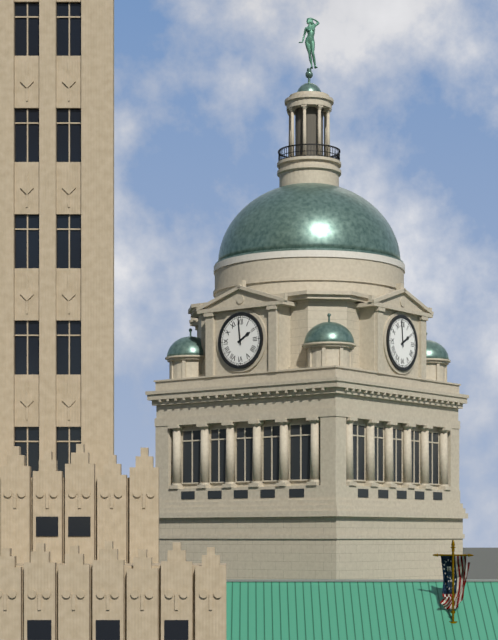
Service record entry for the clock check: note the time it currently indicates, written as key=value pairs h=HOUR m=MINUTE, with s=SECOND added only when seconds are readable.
h=1 m=59
